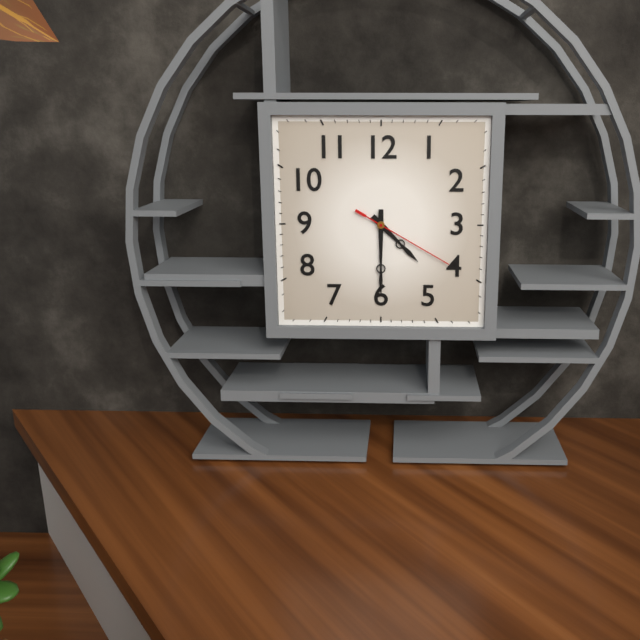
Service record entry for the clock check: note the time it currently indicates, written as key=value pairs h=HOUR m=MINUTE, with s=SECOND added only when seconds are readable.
h=4 m=30 s=20
